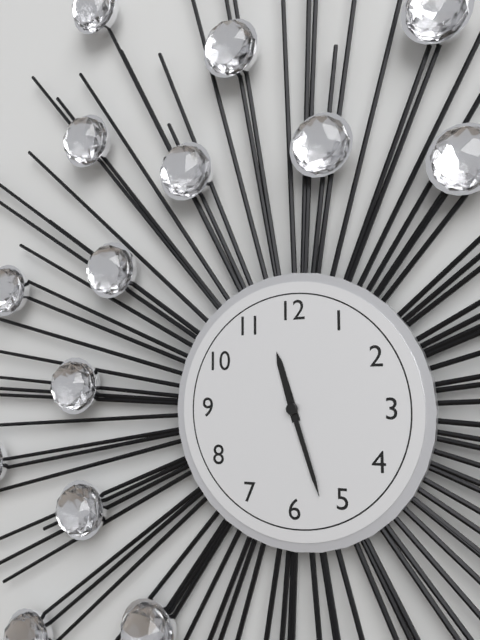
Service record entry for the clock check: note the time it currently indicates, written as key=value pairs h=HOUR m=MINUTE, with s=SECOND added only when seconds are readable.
h=11 m=27
